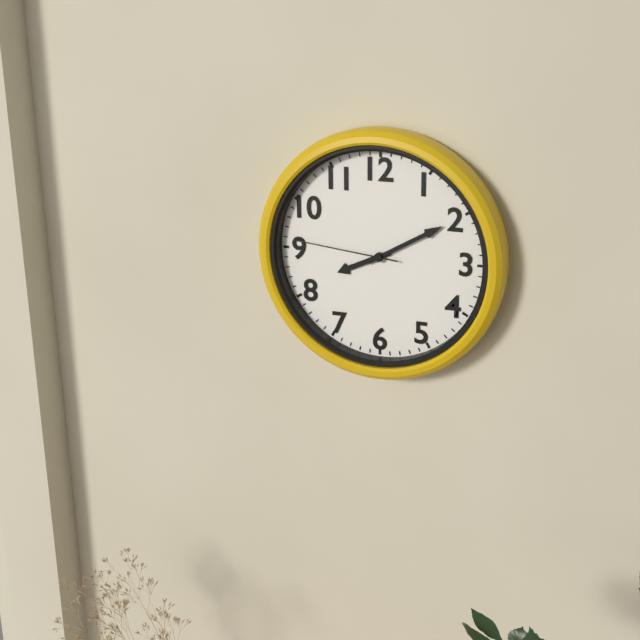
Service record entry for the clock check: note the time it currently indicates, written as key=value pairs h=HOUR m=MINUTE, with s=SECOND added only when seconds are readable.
h=8 m=10 s=46
